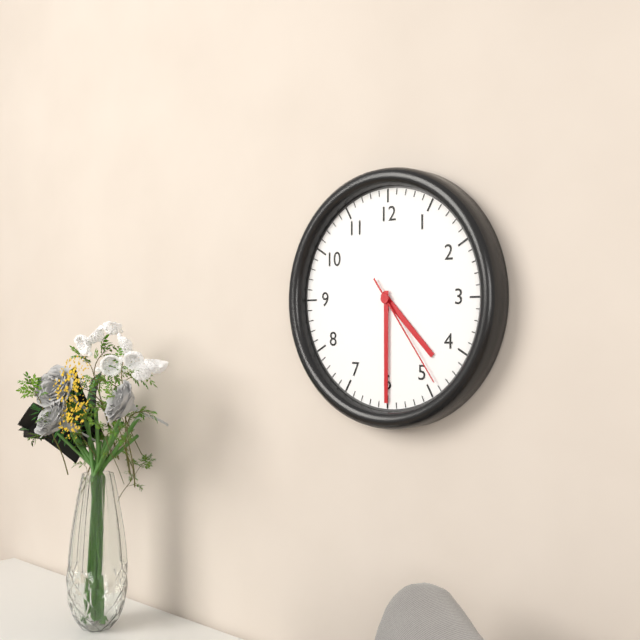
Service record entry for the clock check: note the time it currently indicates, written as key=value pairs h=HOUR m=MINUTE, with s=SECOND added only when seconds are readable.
h=4 m=30 s=24
